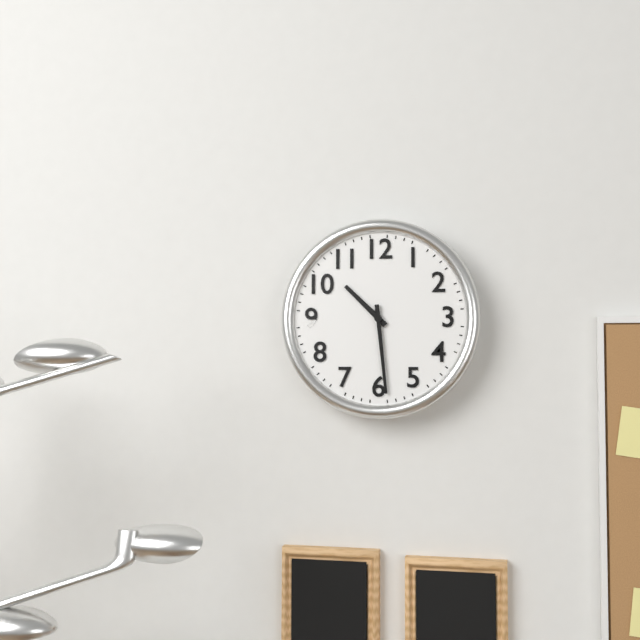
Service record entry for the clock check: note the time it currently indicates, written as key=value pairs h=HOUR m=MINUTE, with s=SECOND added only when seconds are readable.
h=10 m=29
